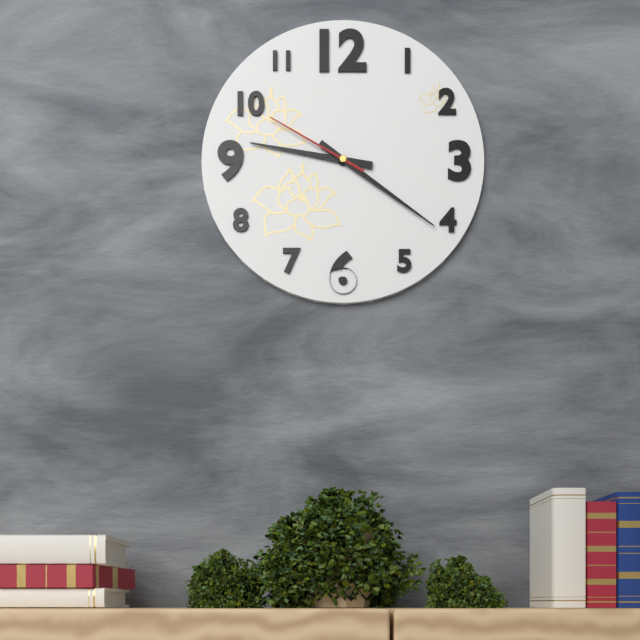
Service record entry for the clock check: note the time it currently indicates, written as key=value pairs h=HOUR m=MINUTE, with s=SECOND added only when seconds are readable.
h=9 m=21 s=50
